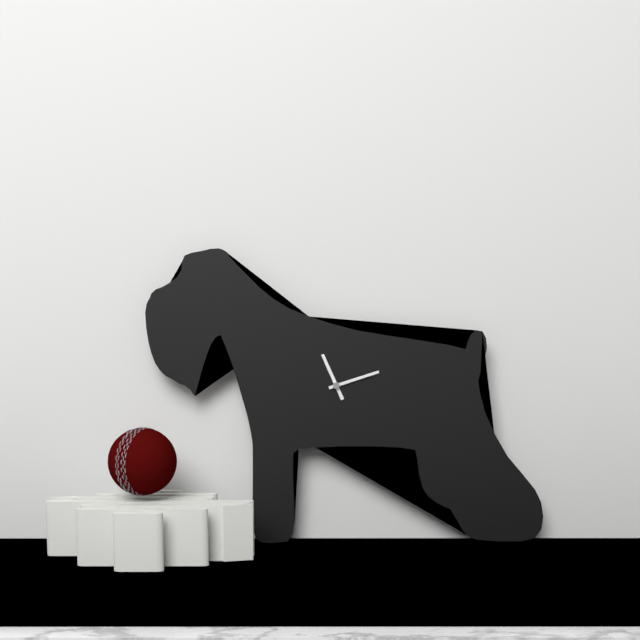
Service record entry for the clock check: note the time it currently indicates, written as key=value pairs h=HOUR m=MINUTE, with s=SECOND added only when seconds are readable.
h=11 m=12
